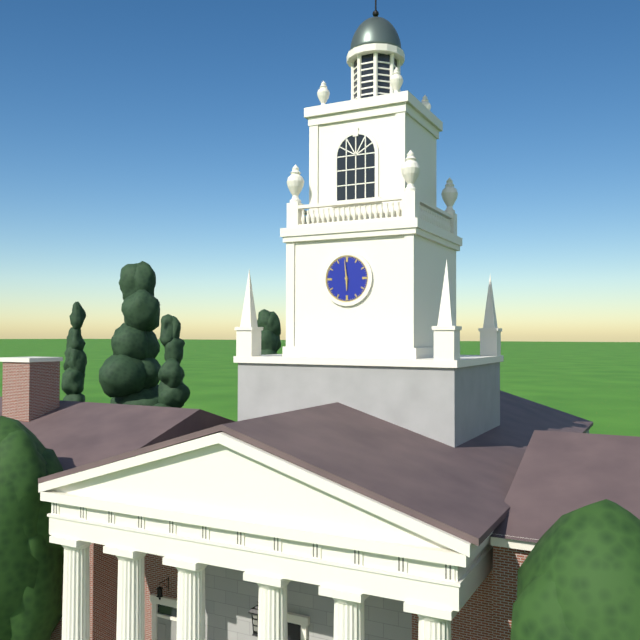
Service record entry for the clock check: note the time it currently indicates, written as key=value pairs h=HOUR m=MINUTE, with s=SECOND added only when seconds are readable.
h=5 m=59
